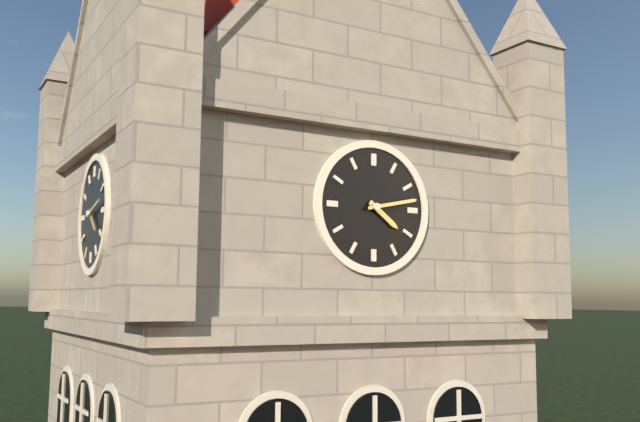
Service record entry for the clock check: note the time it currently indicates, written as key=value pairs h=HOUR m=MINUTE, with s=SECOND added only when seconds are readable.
h=4 m=13
